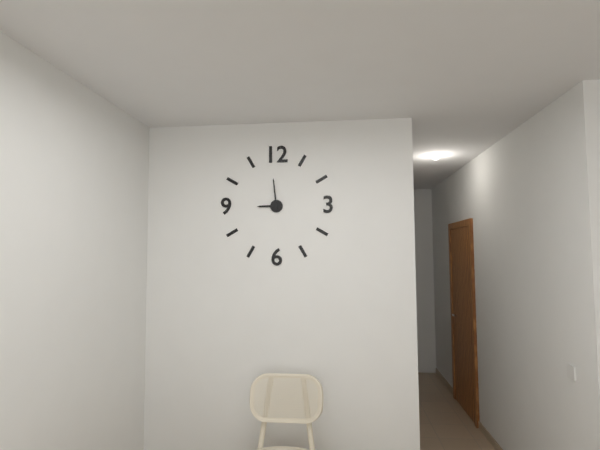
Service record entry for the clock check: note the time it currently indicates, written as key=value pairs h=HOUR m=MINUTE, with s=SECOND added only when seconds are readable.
h=8 m=59
